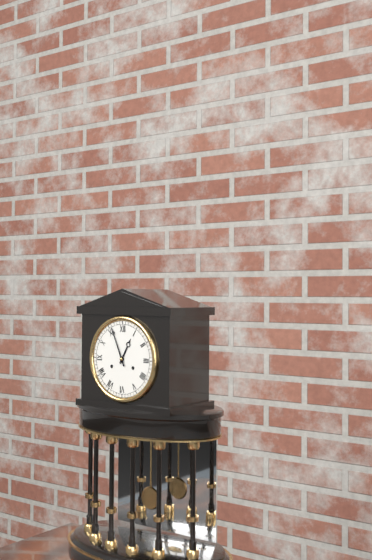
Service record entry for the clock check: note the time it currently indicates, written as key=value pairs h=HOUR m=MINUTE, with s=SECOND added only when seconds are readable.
h=12 m=56
